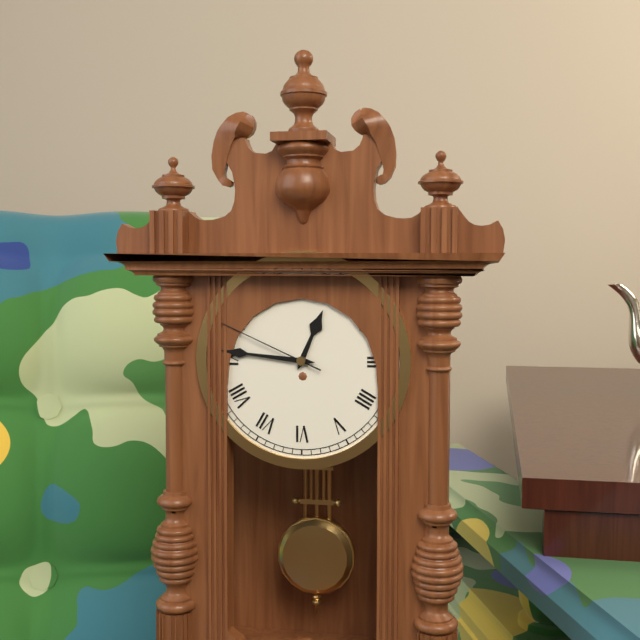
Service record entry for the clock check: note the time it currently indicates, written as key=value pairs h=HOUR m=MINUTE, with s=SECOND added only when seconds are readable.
h=12 m=46 s=49
